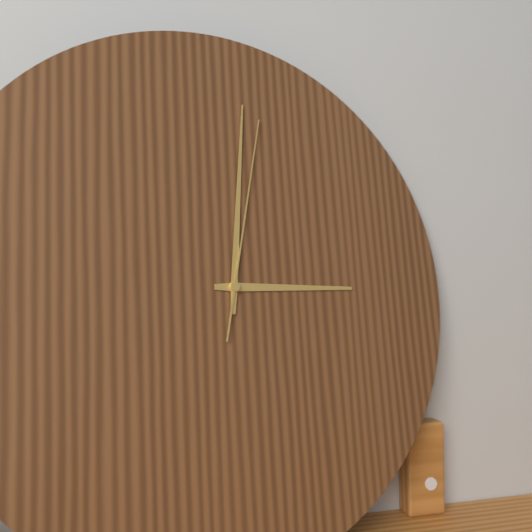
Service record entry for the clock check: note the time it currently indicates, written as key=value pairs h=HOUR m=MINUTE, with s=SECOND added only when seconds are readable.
h=3 m=1 s=2
